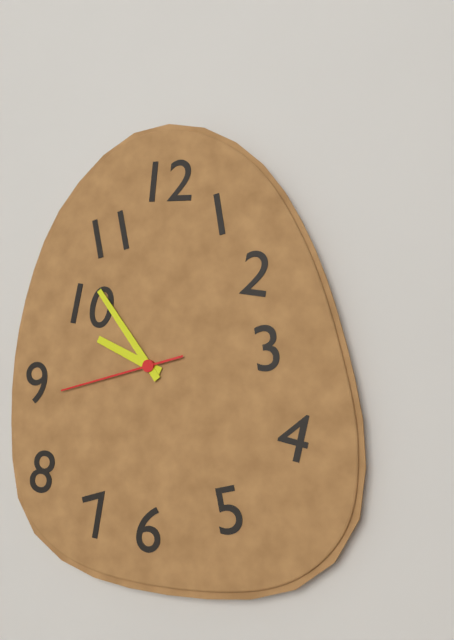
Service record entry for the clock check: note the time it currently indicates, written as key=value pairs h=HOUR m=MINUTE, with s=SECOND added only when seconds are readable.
h=9 m=54 s=43
